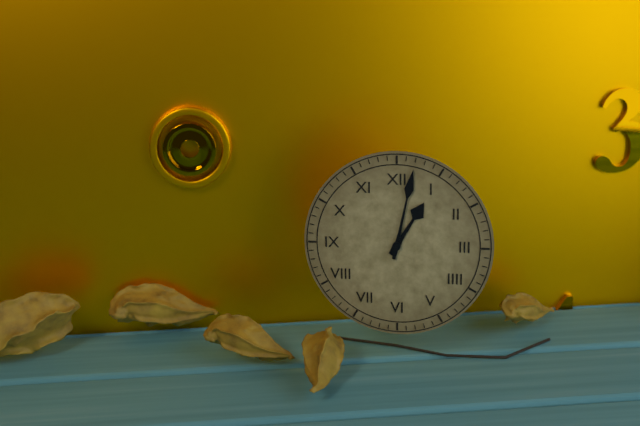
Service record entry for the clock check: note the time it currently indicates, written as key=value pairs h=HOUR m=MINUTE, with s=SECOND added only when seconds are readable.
h=1 m=2
